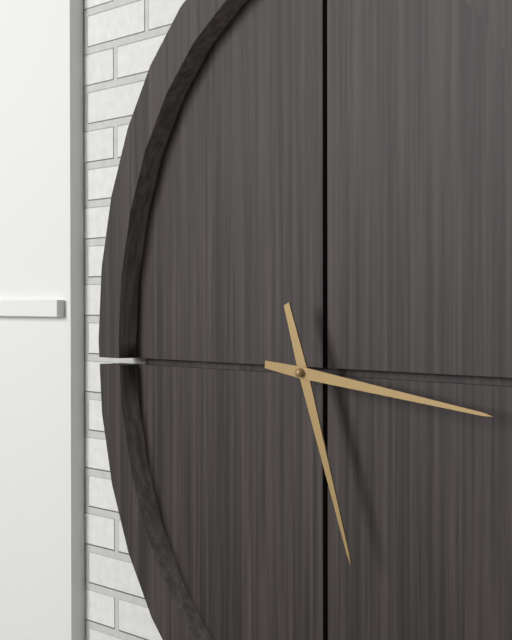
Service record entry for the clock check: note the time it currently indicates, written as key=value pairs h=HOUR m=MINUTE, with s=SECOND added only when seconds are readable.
h=5 m=16
